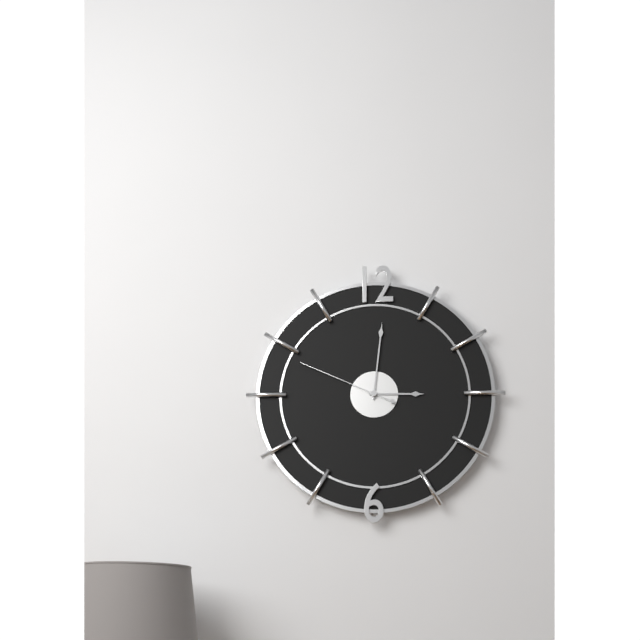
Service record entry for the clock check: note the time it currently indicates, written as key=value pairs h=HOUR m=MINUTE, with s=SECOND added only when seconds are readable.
h=3 m=1 s=49
